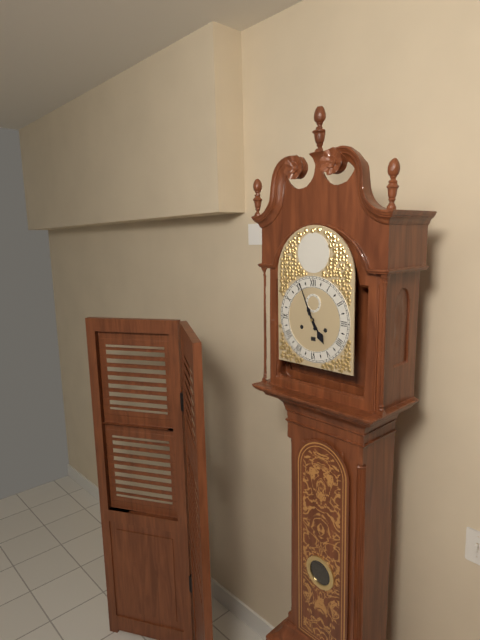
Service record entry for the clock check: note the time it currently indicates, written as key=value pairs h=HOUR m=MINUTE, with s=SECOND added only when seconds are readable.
h=4 m=56
